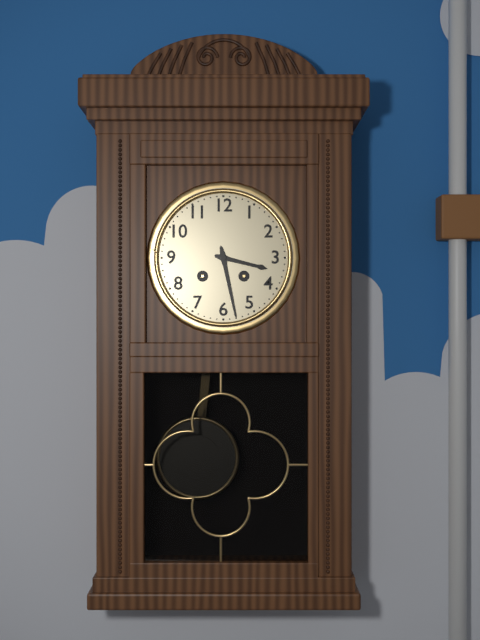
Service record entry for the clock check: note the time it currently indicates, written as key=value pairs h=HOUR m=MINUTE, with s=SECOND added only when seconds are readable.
h=3 m=28
